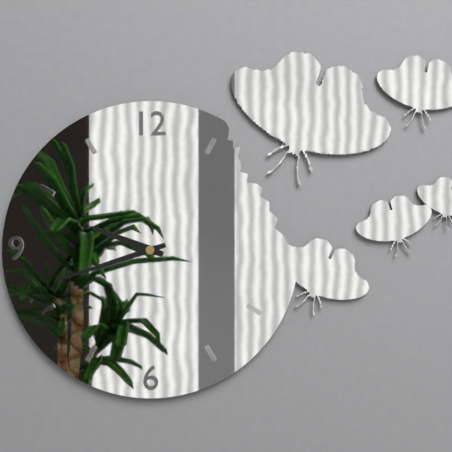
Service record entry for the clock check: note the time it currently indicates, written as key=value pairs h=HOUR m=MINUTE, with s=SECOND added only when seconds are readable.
h=9 m=42
